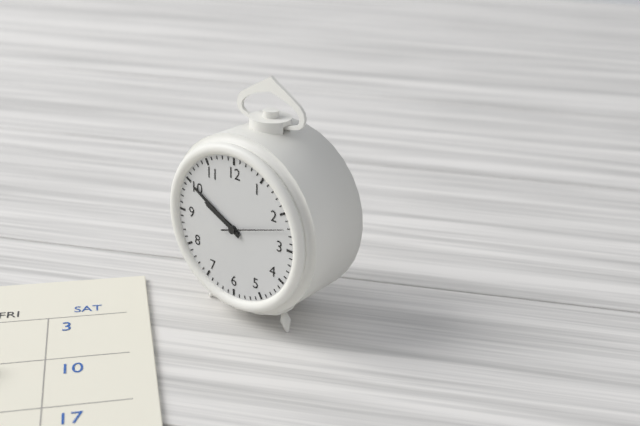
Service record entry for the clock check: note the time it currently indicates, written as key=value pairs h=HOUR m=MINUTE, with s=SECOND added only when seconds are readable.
h=9 m=50 s=12
